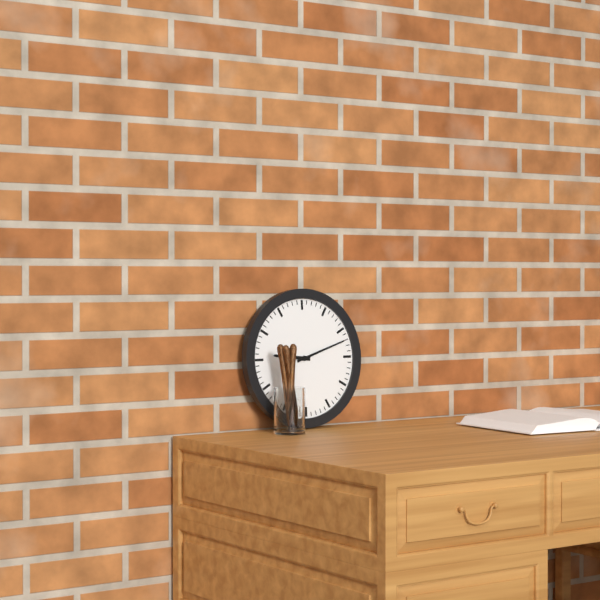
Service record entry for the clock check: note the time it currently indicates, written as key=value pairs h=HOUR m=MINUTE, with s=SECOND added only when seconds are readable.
h=9 m=12
